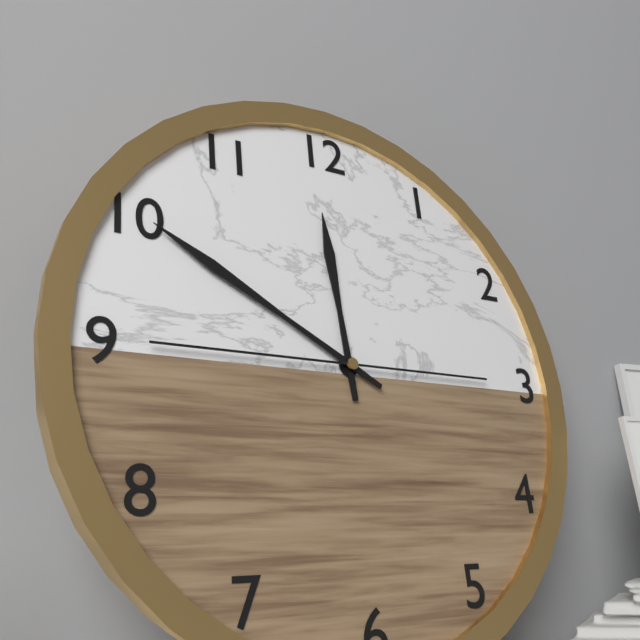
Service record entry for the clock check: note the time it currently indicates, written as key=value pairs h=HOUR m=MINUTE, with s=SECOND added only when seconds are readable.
h=11 m=50 s=45
